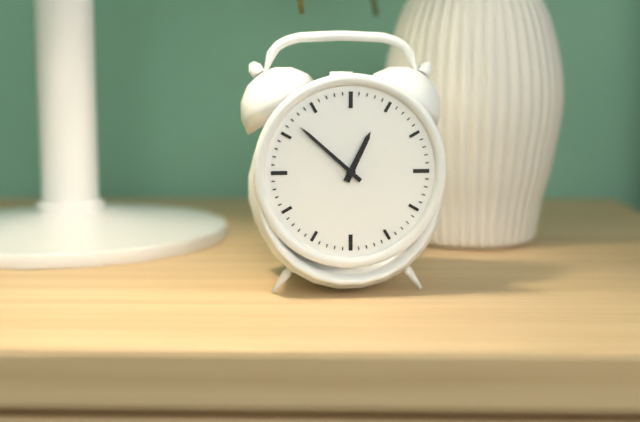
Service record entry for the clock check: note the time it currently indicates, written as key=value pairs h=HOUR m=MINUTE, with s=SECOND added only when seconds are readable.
h=12 m=52
